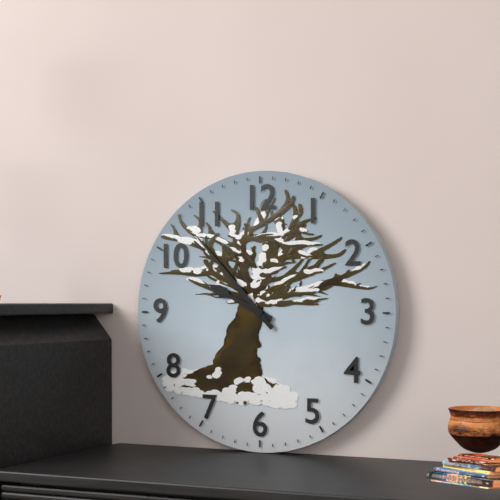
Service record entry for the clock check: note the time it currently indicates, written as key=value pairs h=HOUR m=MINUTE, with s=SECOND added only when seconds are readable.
h=9 m=53
